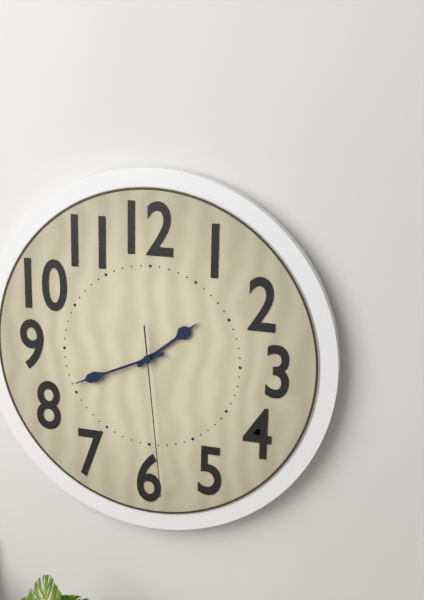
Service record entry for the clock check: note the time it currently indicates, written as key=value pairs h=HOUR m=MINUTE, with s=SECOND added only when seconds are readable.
h=1 m=41 s=29
